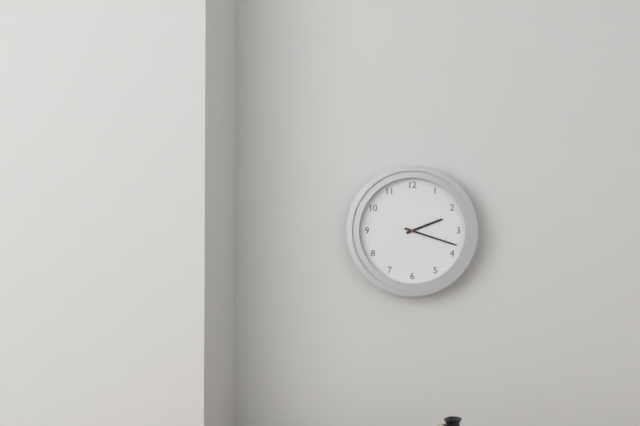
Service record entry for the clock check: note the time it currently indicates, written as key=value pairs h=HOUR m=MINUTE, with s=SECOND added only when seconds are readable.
h=2 m=18
